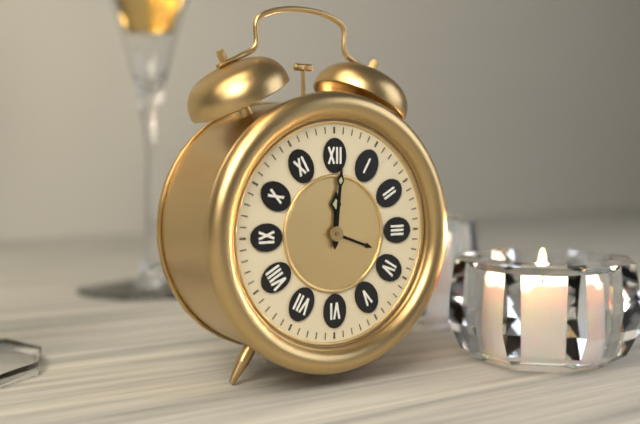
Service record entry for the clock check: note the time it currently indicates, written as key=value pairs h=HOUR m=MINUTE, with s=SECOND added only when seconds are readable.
h=12 m=1
